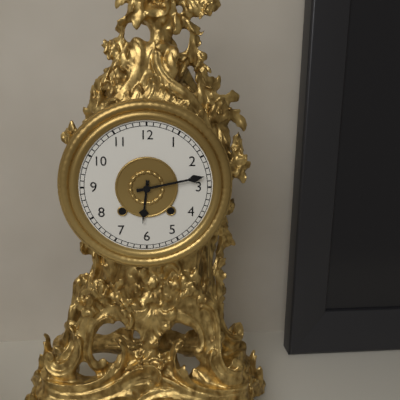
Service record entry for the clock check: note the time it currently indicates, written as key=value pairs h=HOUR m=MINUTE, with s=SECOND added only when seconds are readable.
h=6 m=13
